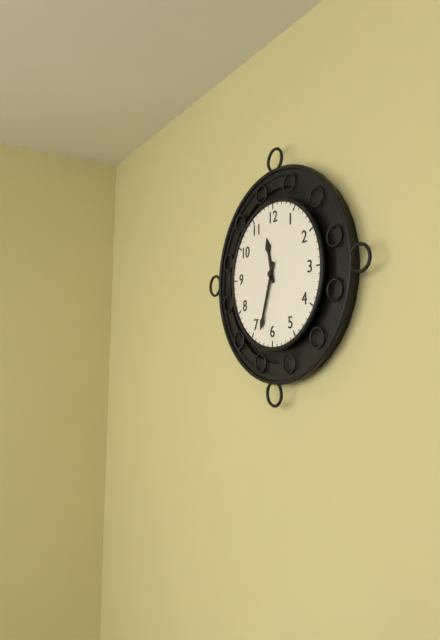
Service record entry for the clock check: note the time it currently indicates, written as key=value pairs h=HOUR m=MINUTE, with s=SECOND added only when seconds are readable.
h=11 m=33
